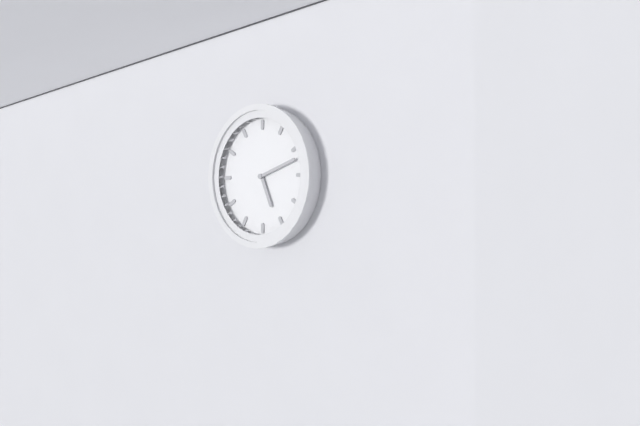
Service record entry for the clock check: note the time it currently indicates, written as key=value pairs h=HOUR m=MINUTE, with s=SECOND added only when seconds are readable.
h=5 m=12
